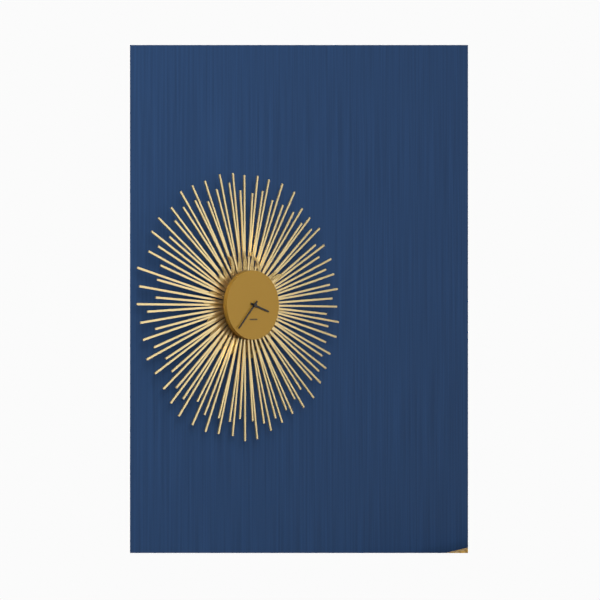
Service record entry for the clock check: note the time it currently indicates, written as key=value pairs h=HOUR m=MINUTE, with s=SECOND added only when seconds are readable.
h=3 m=37
